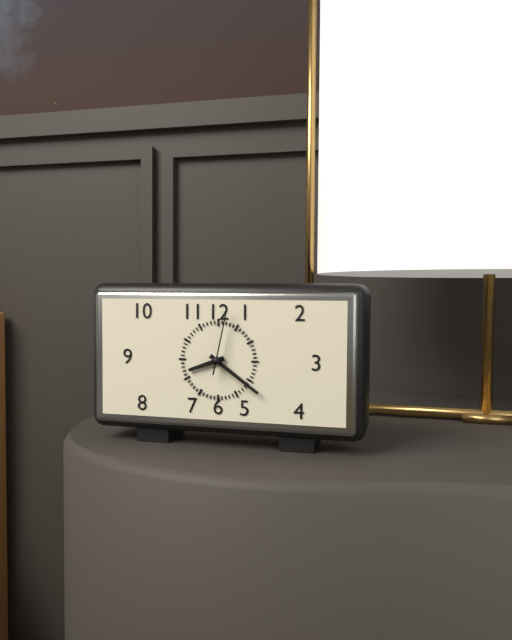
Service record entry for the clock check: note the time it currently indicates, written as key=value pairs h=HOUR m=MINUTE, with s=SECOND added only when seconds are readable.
h=8 m=21 s=2
